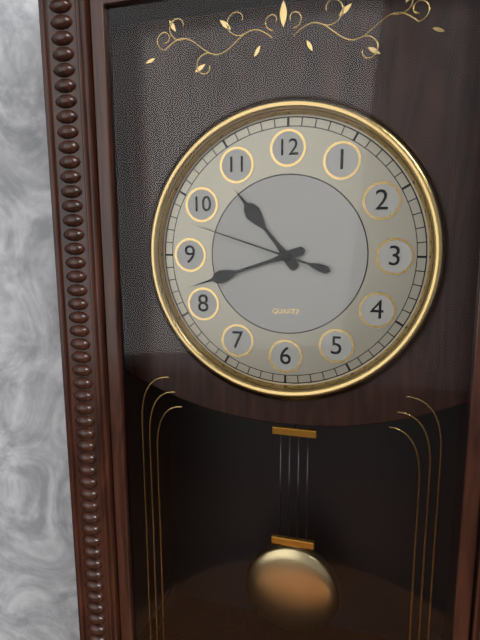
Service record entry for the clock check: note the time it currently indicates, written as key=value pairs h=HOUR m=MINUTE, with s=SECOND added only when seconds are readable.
h=10 m=42 s=48
